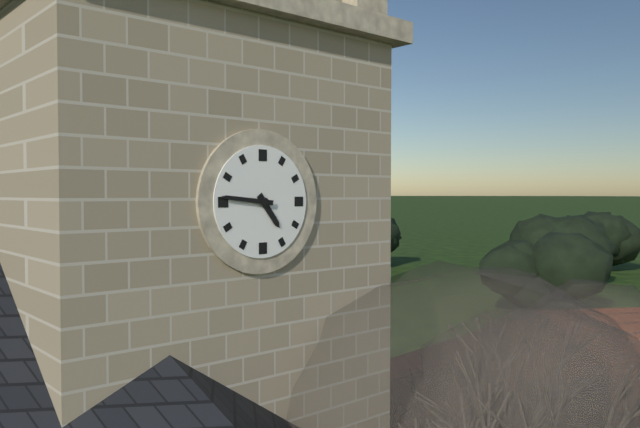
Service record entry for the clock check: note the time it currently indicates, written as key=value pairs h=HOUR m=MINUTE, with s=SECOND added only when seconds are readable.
h=4 m=46
